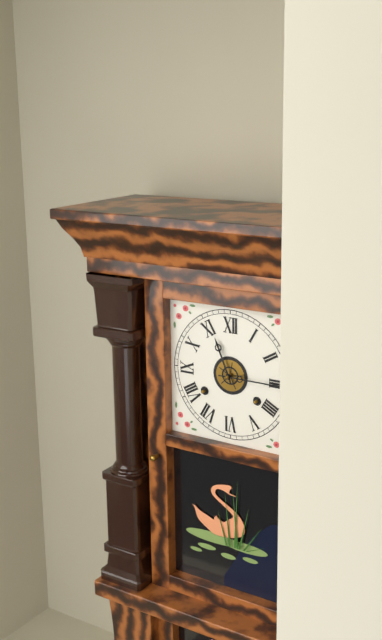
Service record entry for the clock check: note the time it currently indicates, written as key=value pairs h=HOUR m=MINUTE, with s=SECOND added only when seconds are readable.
h=11 m=15
